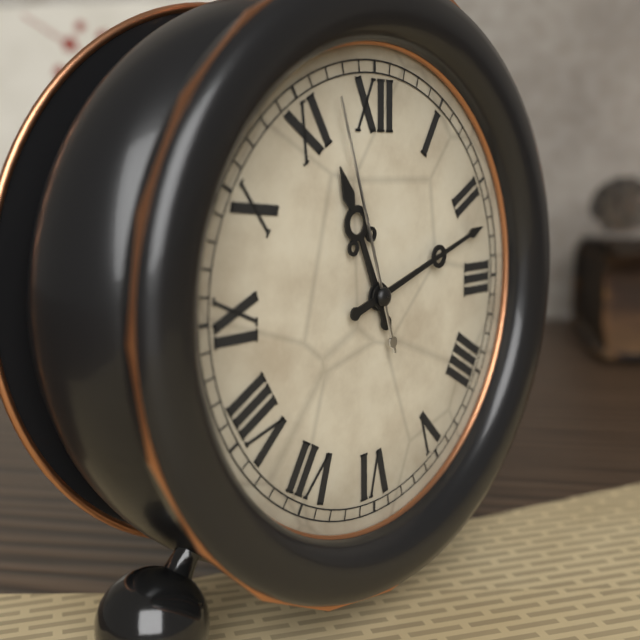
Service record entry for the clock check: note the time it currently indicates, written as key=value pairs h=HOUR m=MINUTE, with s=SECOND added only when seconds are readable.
h=11 m=12 s=57
